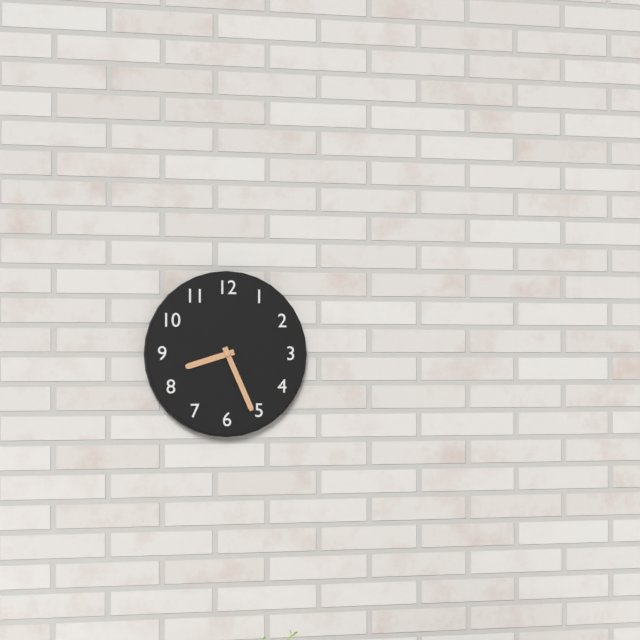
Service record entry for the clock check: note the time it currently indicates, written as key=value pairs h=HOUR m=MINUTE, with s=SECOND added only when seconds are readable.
h=8 m=26
